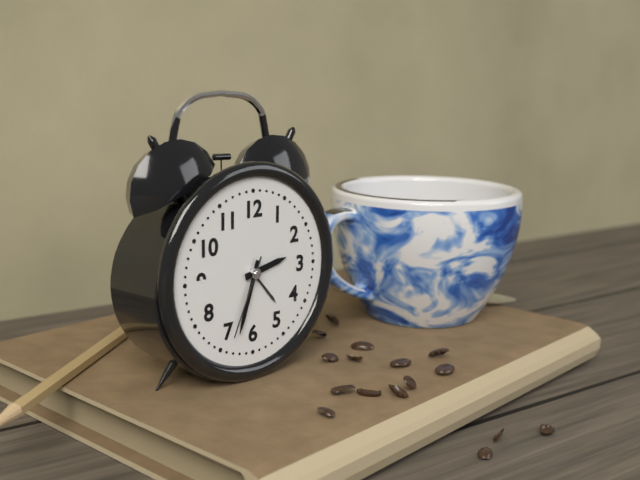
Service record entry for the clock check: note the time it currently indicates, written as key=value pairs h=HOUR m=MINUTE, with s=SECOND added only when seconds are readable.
h=2 m=33 s=34
